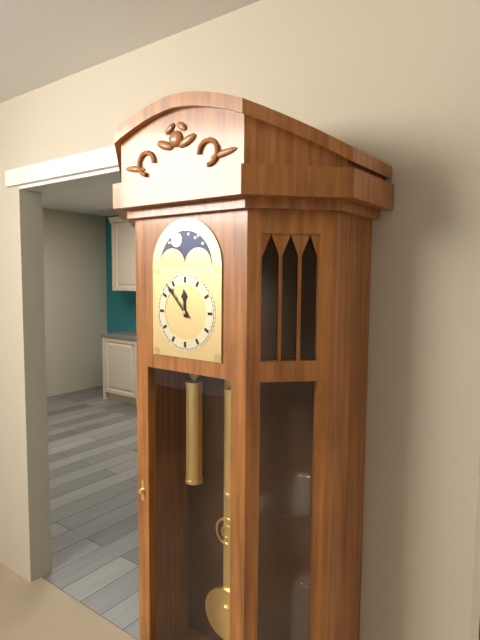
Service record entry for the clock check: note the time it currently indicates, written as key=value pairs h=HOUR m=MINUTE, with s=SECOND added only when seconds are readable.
h=11 m=53
